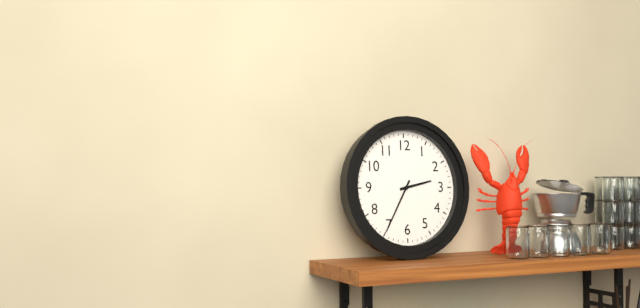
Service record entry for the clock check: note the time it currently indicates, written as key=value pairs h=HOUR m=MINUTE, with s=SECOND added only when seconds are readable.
h=2 m=35
